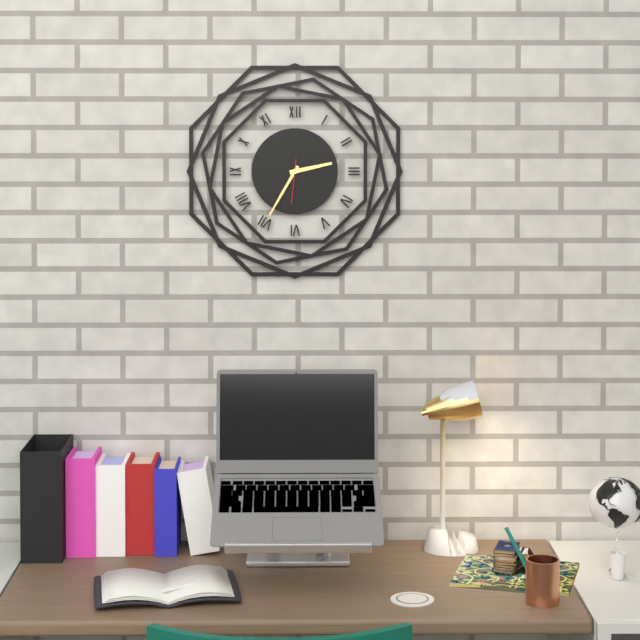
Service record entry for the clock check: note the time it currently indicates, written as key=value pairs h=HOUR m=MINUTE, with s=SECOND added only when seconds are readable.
h=2 m=35
